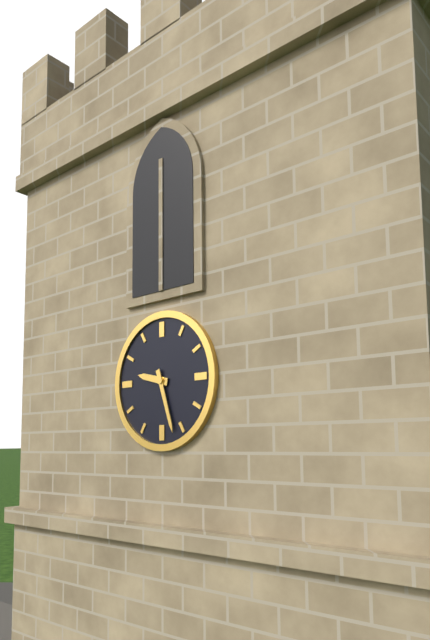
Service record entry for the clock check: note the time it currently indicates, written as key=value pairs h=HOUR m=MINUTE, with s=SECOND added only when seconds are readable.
h=9 m=27
